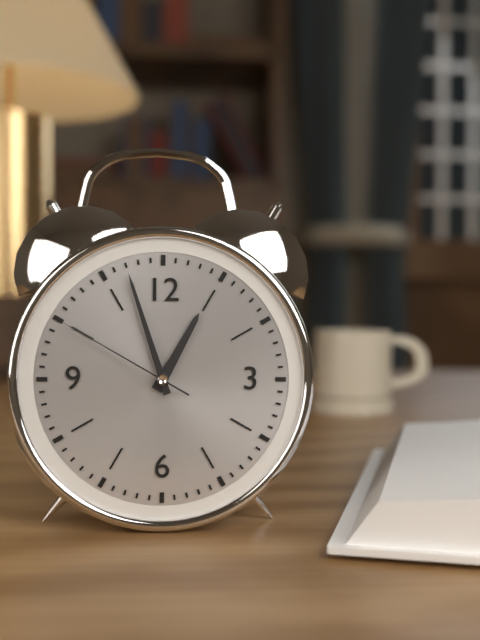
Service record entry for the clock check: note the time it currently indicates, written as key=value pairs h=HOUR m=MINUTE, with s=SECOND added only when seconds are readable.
h=12 m=57 s=50
